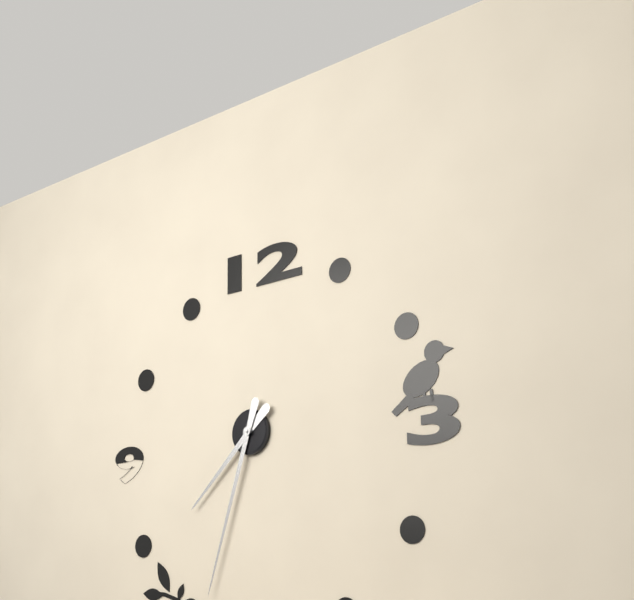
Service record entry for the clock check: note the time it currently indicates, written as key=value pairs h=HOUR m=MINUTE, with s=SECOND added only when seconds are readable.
h=7 m=33
